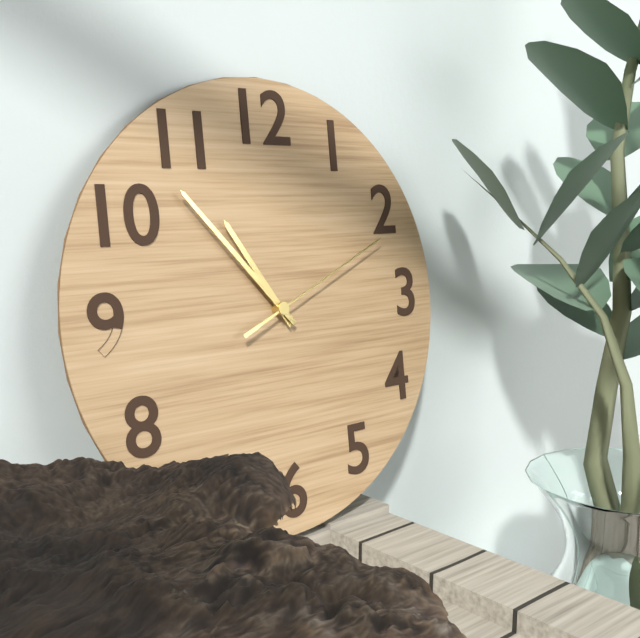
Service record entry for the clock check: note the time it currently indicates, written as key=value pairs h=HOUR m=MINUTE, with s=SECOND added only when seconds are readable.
h=10 m=53 s=11
